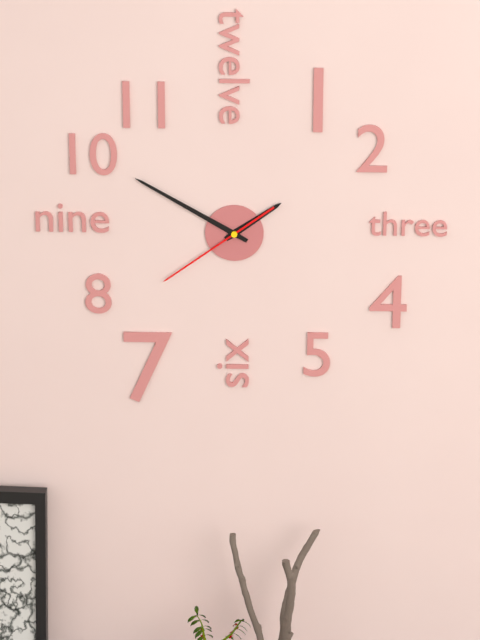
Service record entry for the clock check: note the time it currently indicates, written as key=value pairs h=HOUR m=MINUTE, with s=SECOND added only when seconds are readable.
h=1 m=50 s=39
